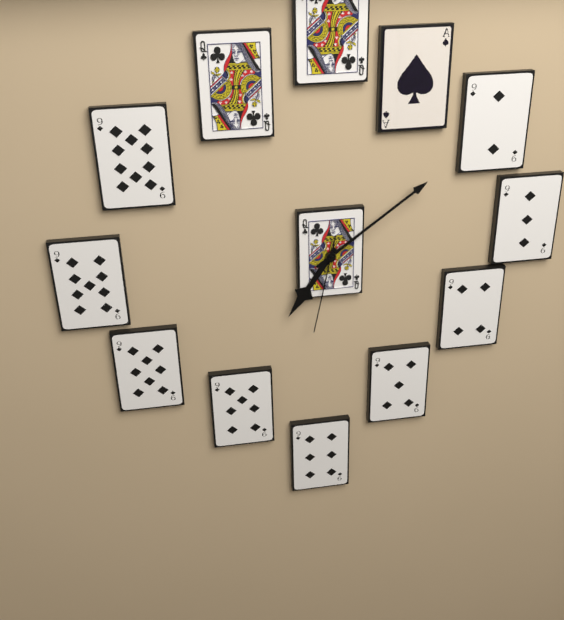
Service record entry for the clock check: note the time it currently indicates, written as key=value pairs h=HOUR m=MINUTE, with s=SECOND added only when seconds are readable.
h=7 m=9 s=32
